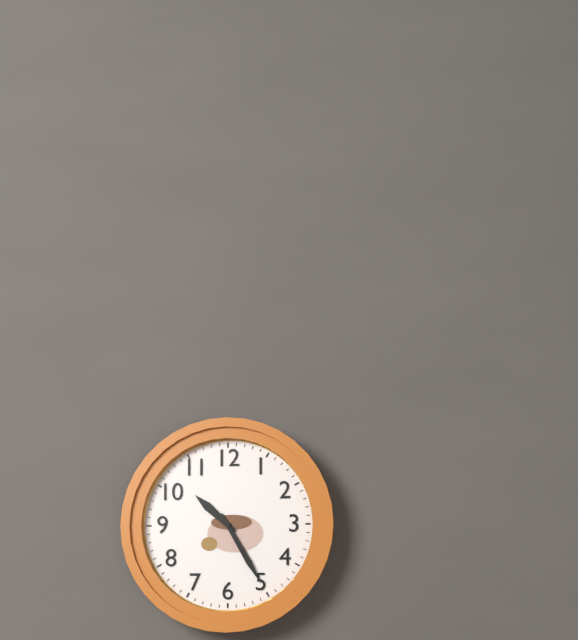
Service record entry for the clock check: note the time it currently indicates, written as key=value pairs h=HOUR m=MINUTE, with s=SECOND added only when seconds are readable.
h=10 m=25
